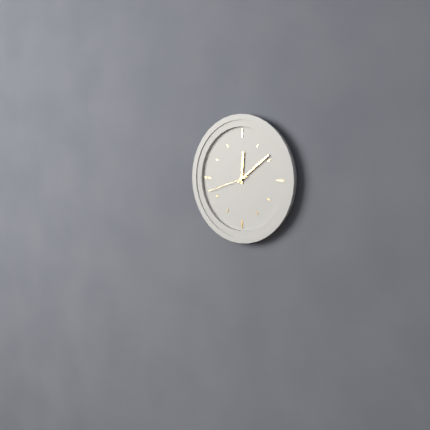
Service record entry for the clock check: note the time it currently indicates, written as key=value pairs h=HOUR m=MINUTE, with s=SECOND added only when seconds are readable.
h=12 m=9
